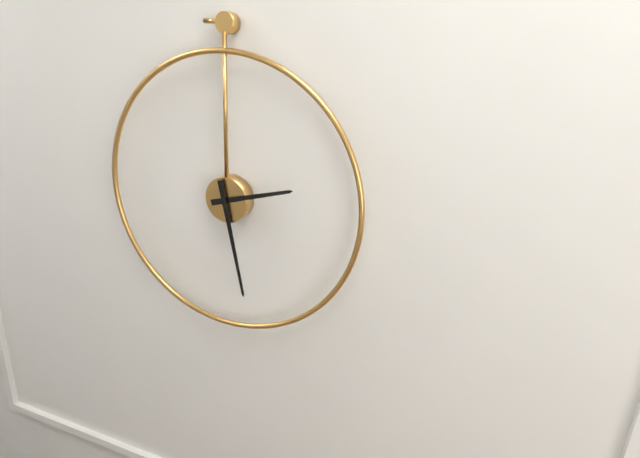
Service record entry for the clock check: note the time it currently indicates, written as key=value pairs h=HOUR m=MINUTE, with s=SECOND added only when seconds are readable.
h=2 m=28
